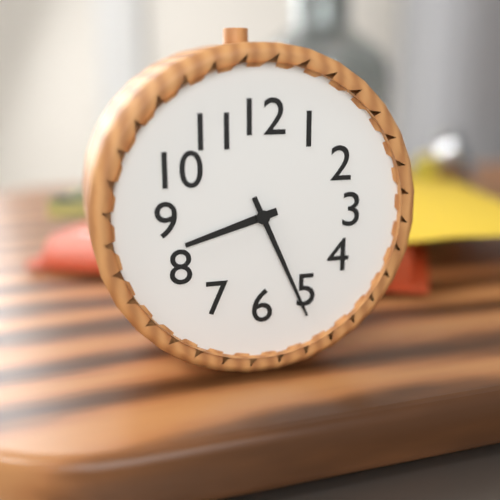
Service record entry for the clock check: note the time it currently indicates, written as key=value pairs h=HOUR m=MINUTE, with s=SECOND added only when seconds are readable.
h=8 m=26
